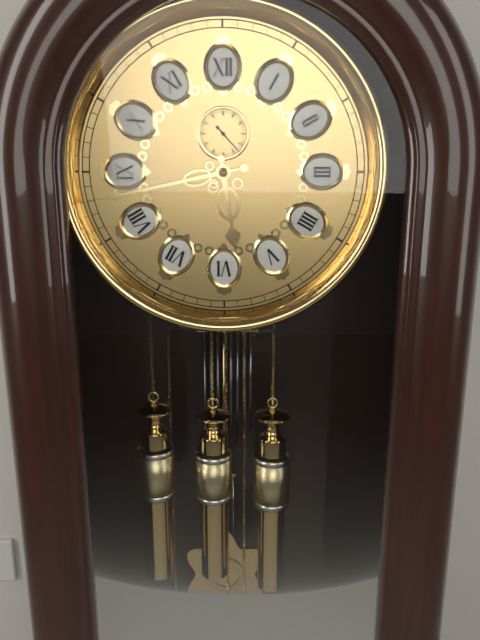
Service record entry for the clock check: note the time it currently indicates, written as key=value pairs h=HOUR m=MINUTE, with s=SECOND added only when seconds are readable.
h=5 m=43
